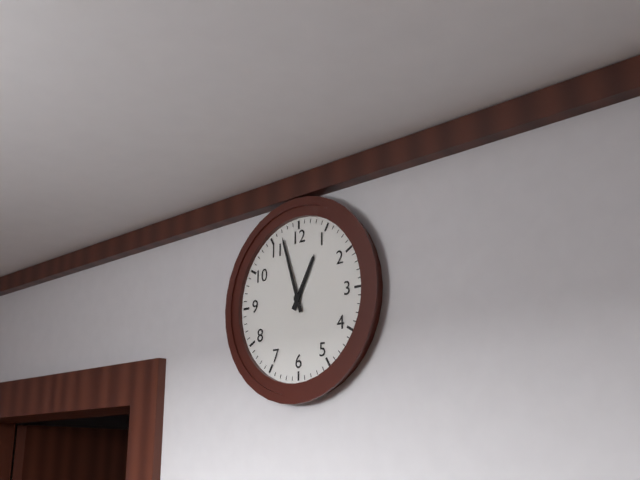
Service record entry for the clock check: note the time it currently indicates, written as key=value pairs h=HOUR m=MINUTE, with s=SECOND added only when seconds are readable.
h=12 m=57
